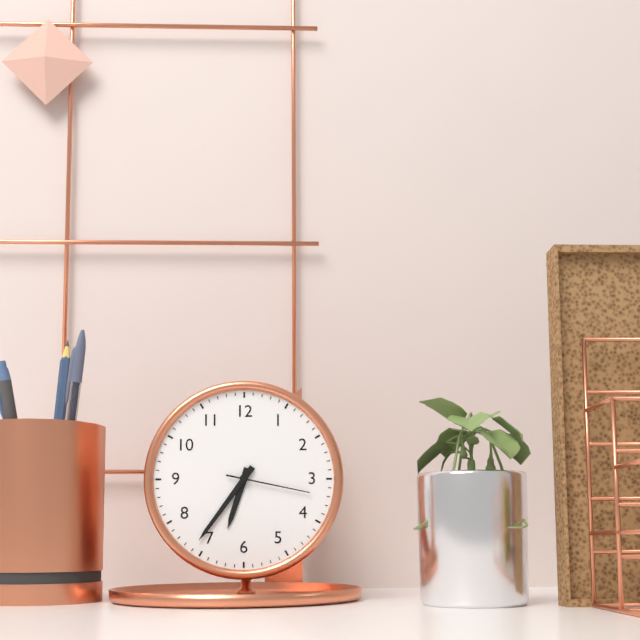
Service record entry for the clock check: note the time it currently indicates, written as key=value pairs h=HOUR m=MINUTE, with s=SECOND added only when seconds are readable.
h=6 m=36 s=17
